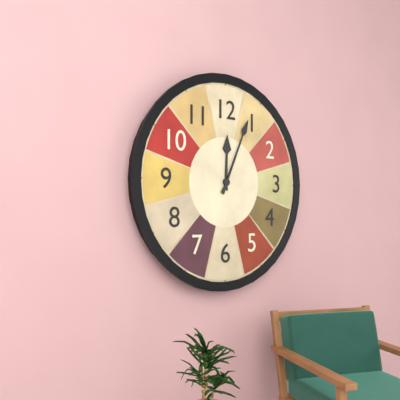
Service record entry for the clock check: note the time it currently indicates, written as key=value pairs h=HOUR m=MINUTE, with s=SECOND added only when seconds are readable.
h=12 m=4
